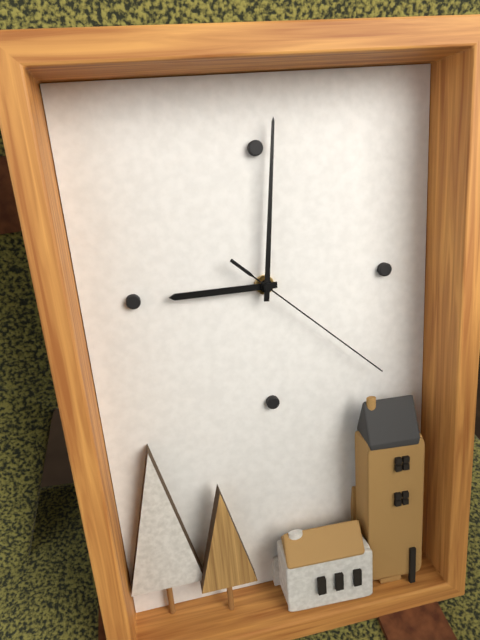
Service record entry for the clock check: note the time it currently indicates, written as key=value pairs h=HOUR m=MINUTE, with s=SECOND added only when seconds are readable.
h=9 m=1 s=22
